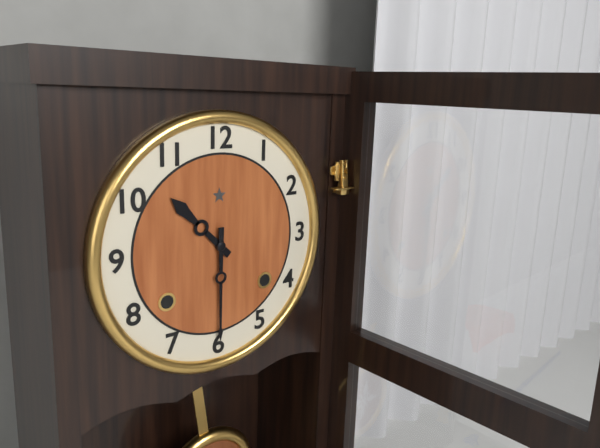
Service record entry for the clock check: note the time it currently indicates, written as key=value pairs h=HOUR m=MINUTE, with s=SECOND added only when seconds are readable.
h=10 m=30
